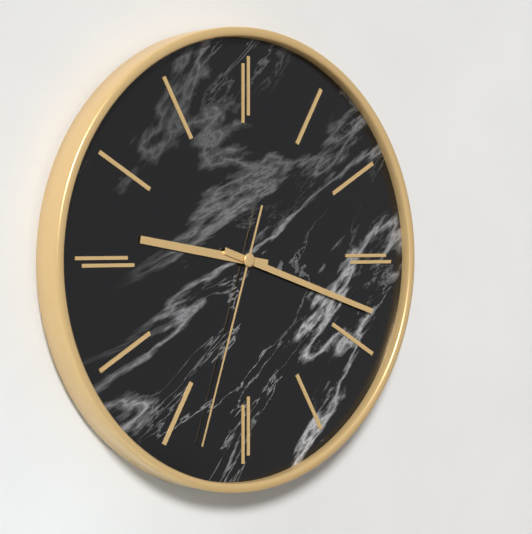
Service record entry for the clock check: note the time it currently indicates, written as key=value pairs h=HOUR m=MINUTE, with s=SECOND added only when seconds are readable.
h=9 m=18 s=33
